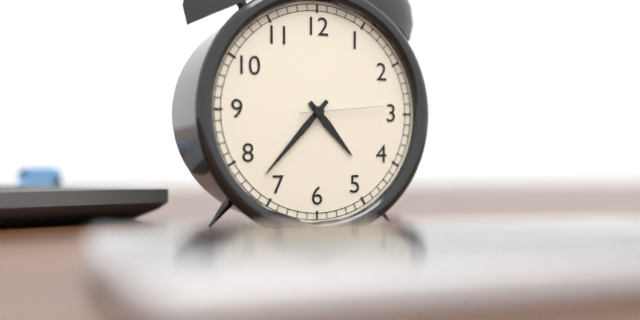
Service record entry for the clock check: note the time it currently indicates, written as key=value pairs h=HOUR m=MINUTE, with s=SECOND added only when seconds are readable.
h=4 m=37 s=14
